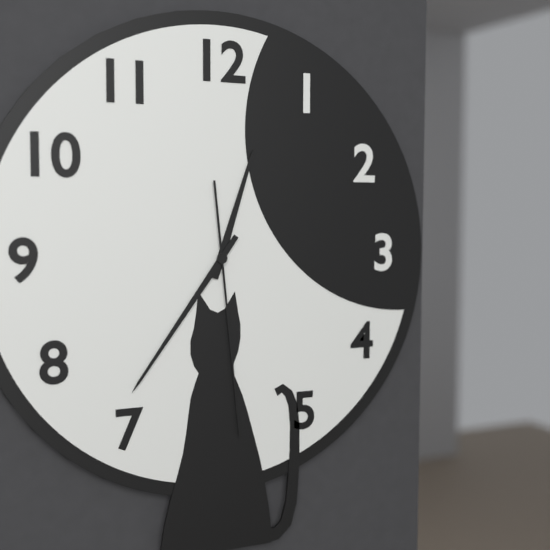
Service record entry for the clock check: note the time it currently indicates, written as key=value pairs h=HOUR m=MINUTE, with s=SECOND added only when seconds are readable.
h=12 m=36 s=29
